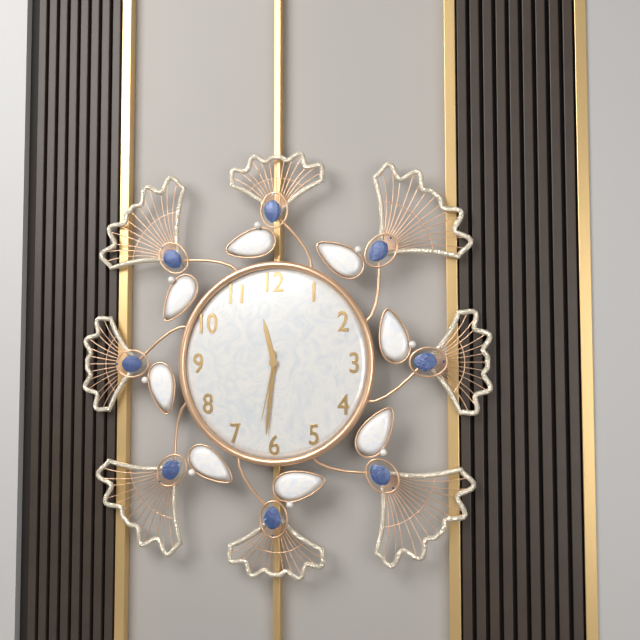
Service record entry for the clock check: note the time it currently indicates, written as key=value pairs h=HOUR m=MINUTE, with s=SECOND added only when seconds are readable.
h=11 m=31 s=32
